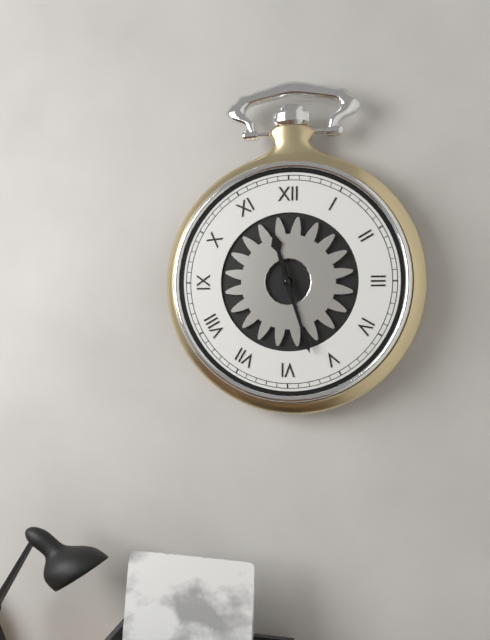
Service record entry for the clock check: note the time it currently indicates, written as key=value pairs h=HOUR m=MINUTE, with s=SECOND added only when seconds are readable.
h=11 m=27
